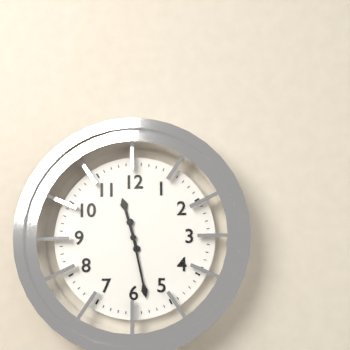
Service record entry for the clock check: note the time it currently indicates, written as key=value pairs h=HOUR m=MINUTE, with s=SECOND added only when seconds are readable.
h=11 m=28
